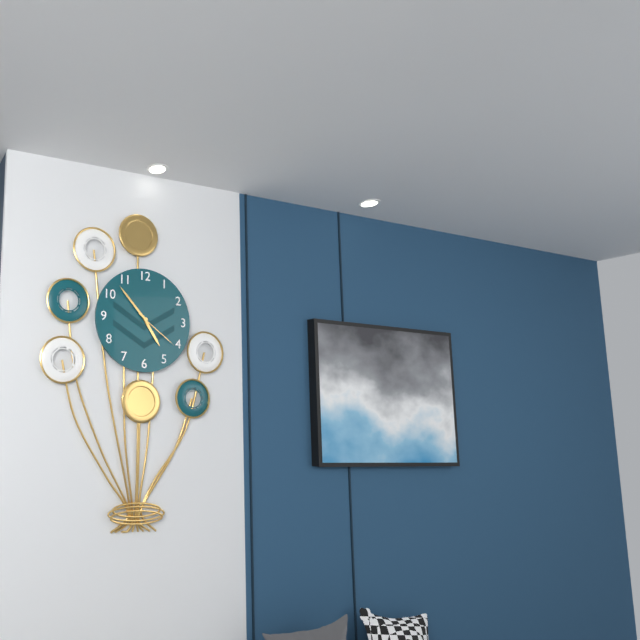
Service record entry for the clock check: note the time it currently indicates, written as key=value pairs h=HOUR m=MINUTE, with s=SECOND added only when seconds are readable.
h=4 m=53
